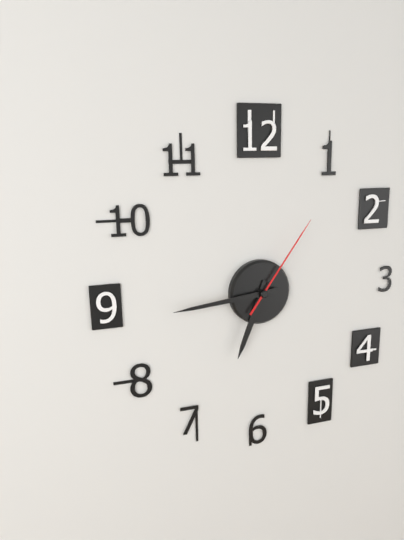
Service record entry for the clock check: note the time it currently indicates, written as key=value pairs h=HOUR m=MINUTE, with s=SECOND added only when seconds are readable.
h=6 m=44 s=6
